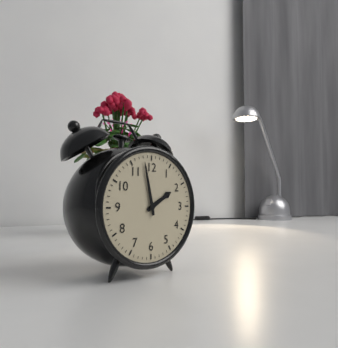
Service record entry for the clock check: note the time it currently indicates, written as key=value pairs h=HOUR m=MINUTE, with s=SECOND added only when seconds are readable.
h=1 m=58
